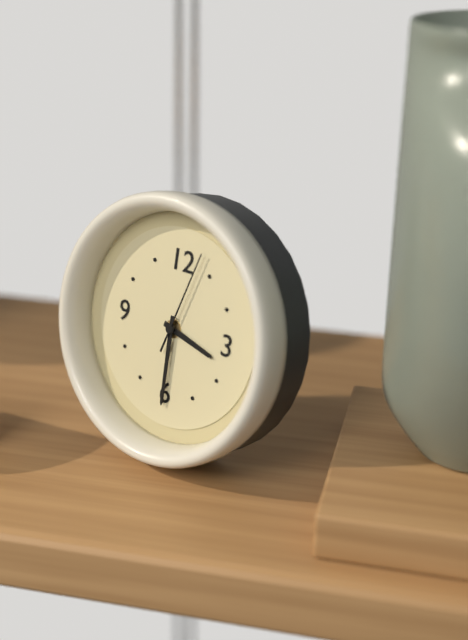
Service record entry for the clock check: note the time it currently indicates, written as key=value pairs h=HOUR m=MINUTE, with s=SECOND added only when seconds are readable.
h=3 m=30 s=3
